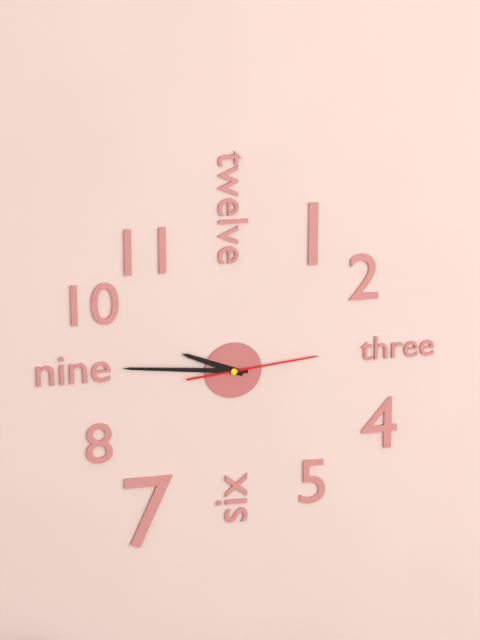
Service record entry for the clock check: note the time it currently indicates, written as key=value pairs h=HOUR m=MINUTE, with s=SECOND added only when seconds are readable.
h=9 m=46 s=14
